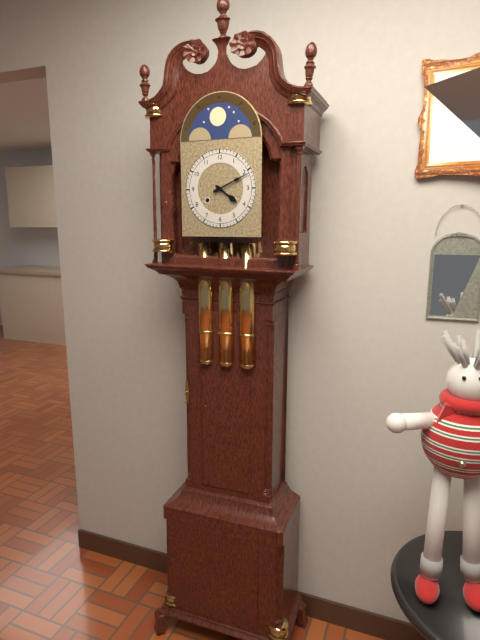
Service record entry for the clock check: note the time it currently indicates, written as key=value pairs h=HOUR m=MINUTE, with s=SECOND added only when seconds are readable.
h=4 m=11
